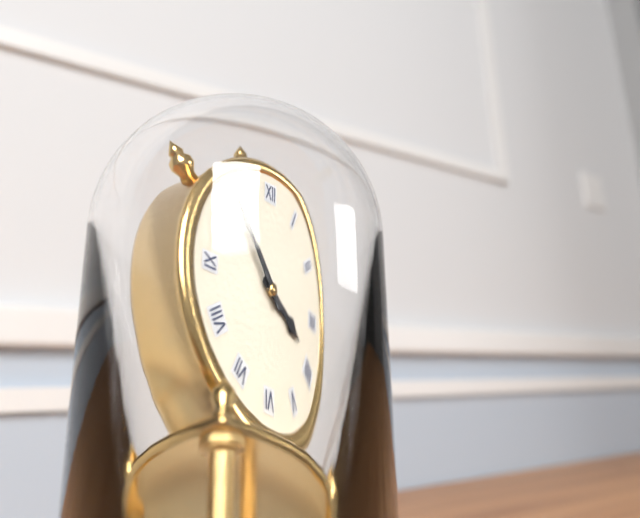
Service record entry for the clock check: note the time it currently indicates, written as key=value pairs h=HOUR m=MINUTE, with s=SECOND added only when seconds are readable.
h=3 m=53
